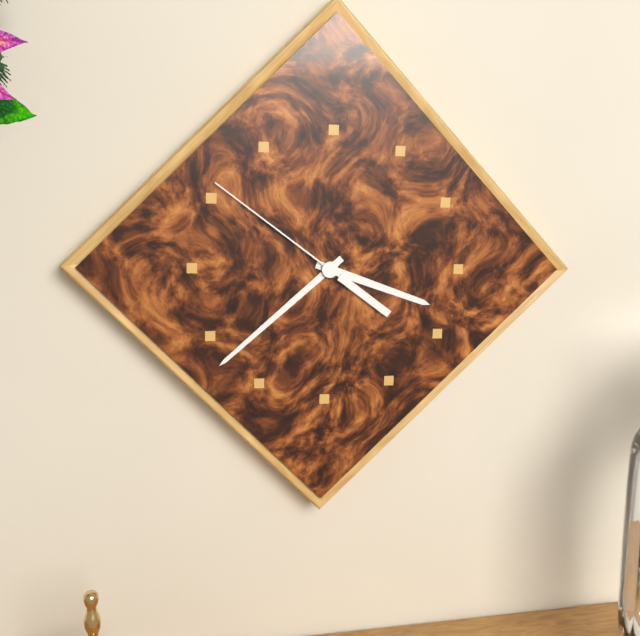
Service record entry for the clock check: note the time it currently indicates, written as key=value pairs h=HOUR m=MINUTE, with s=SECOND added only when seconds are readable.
h=3 m=38 s=51
